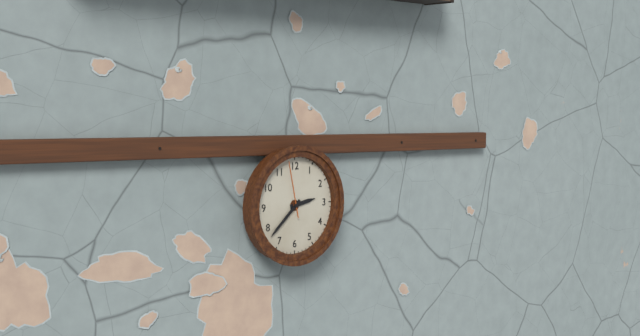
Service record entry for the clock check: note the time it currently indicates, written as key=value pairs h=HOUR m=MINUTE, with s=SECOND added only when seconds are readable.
h=2 m=38 s=58
